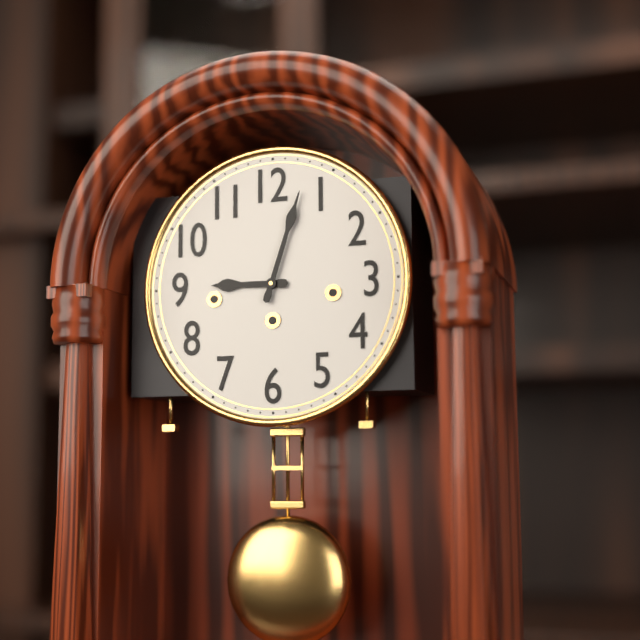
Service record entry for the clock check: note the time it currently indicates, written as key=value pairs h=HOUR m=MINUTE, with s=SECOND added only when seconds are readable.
h=9 m=3
